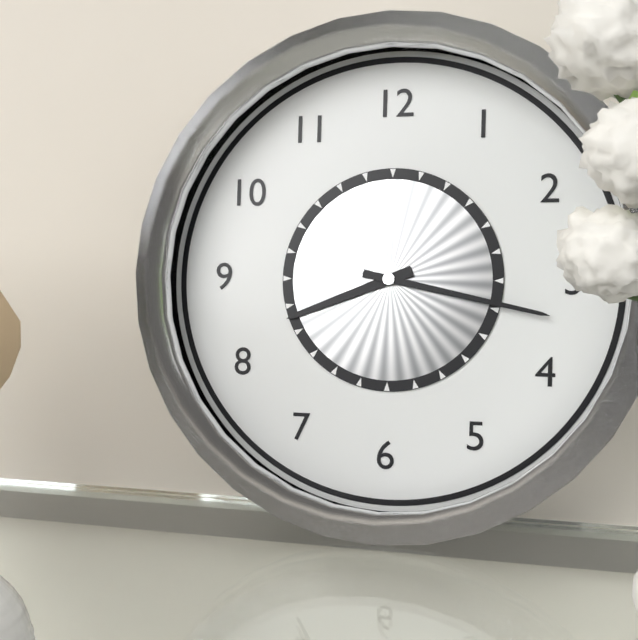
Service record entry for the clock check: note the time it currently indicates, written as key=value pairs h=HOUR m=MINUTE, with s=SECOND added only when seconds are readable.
h=8 m=17
